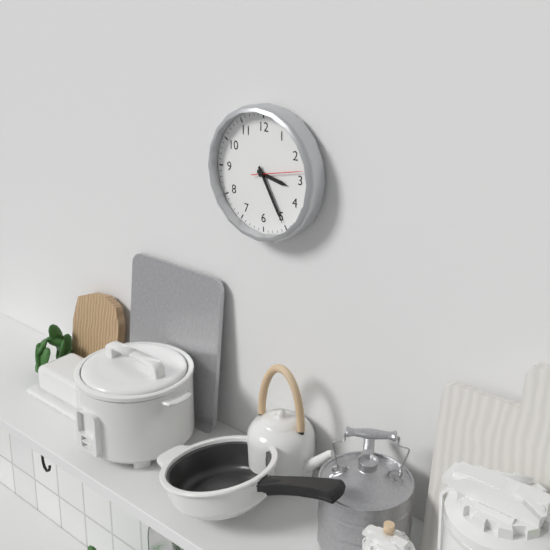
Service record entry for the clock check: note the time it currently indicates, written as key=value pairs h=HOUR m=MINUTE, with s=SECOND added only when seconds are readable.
h=3 m=25 s=13
